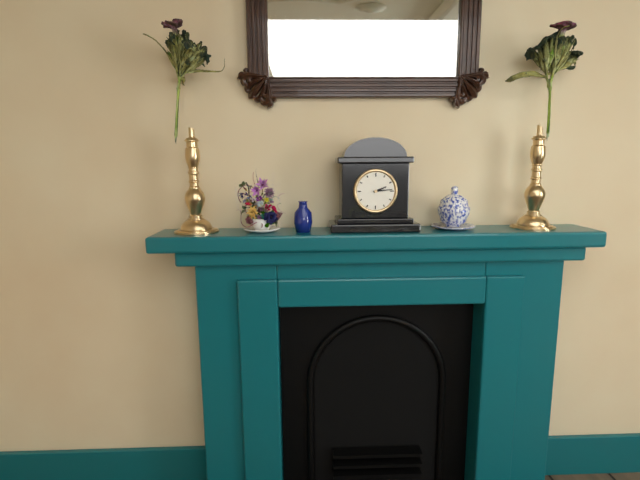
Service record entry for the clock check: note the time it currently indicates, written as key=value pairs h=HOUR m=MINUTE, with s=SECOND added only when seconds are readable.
h=2 m=14
